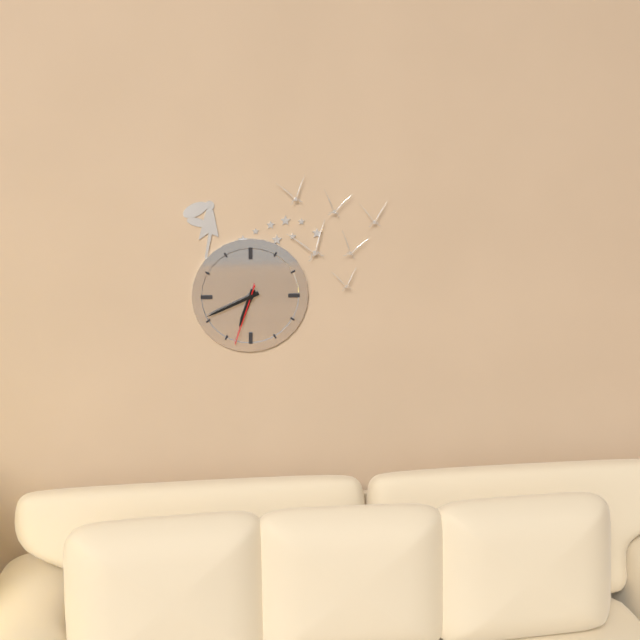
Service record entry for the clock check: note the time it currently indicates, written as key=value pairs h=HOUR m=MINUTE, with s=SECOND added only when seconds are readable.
h=6 m=41 s=33
